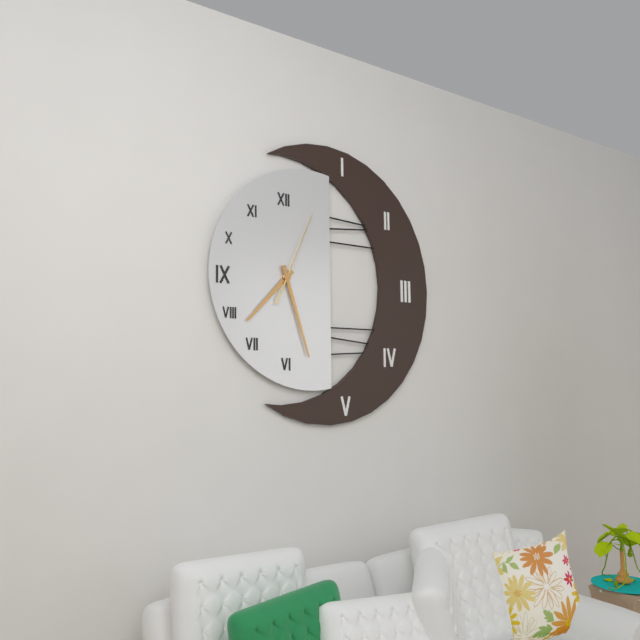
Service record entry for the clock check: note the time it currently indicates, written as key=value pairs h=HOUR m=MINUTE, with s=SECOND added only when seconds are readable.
h=7 m=27 s=4
